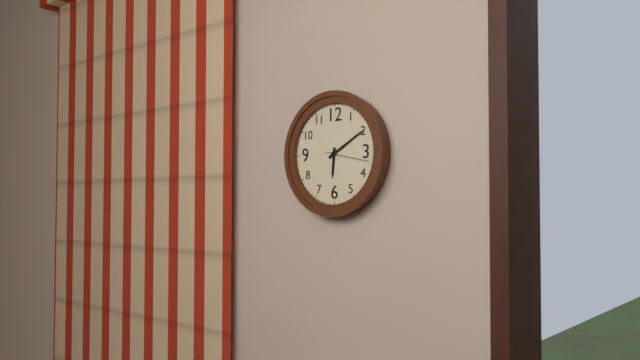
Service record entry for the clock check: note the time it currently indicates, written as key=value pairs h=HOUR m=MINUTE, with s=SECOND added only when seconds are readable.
h=6 m=10
